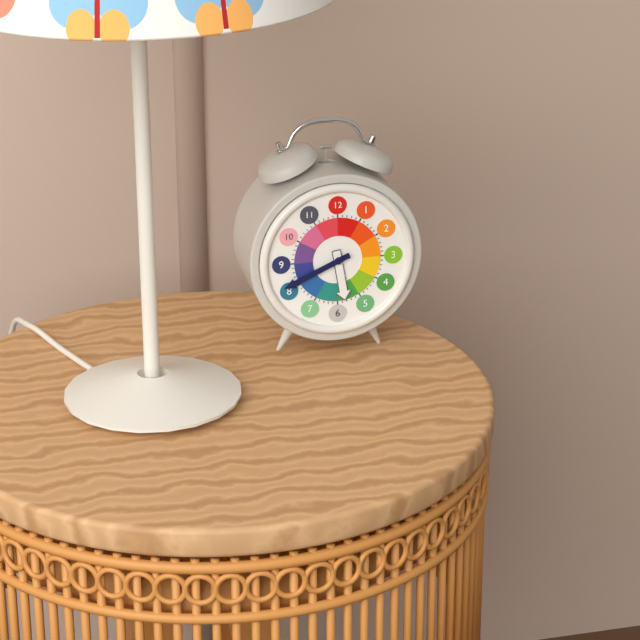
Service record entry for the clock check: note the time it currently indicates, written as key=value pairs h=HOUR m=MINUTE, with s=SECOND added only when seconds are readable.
h=5 m=41
